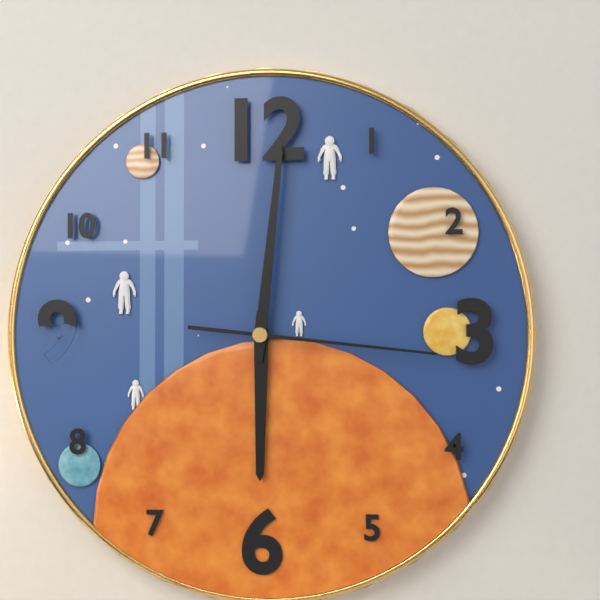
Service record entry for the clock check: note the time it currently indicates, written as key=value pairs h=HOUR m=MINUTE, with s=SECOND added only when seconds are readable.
h=6 m=1 s=16
